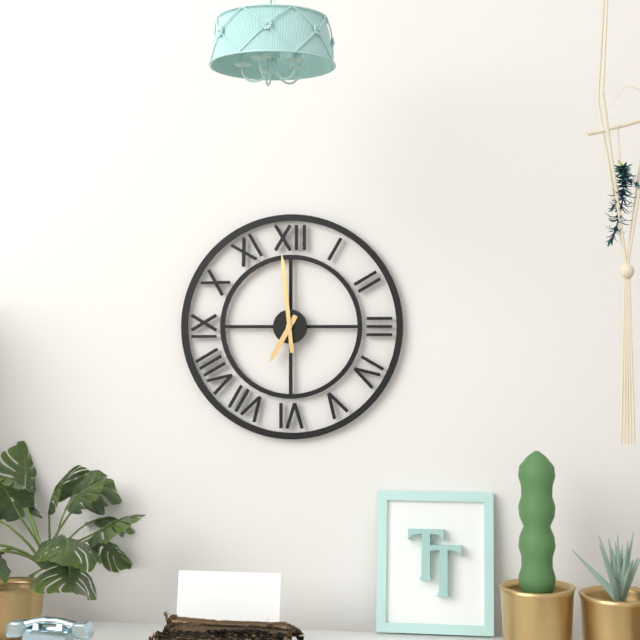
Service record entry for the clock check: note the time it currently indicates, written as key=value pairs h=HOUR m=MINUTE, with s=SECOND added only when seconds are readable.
h=6 m=59
